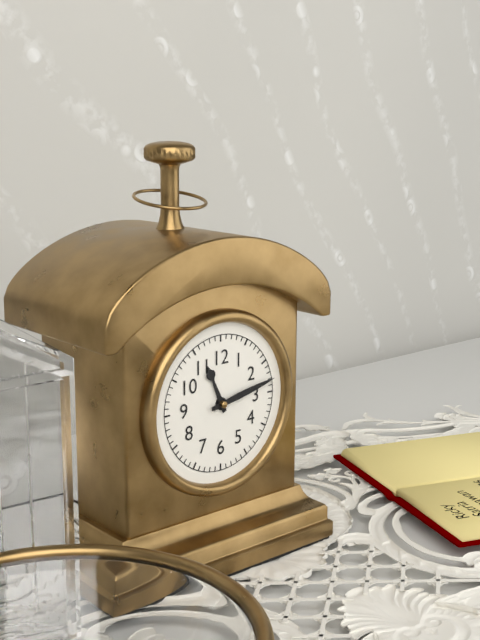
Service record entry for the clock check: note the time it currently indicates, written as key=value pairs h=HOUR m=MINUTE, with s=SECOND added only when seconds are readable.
h=11 m=13
